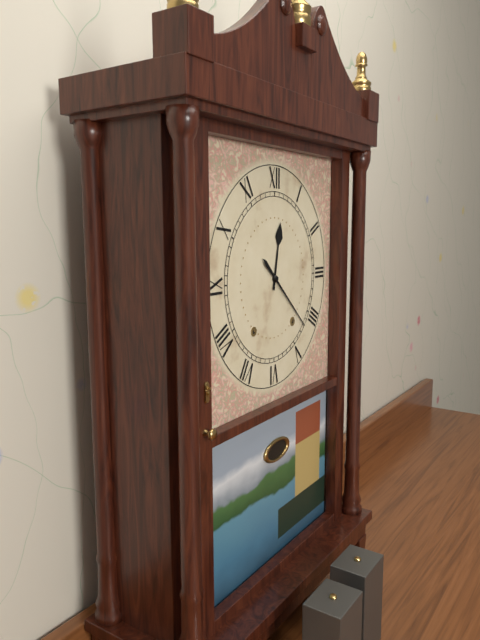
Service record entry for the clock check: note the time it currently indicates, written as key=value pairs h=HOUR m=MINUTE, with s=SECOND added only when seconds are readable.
h=12 m=22
